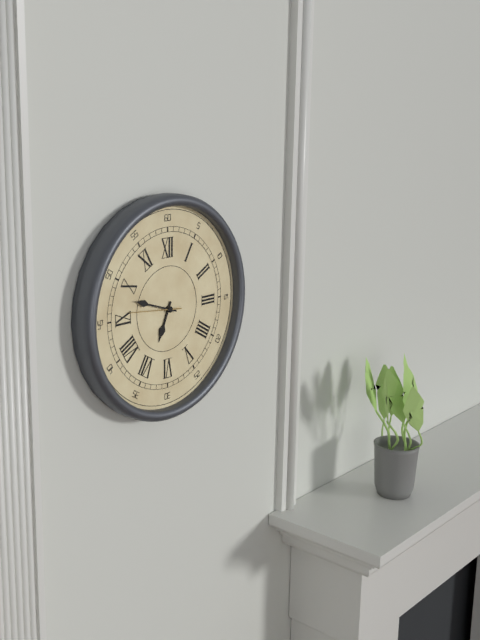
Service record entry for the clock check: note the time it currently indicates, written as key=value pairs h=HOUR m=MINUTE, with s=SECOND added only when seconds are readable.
h=6 m=48
